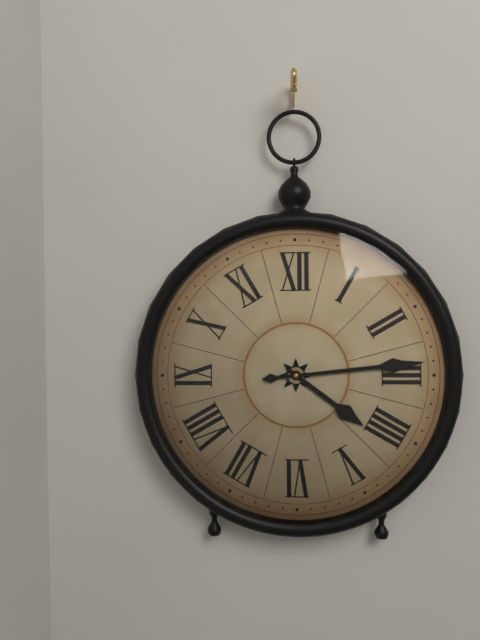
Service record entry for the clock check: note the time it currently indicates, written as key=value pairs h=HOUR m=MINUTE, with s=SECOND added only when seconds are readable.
h=4 m=14
